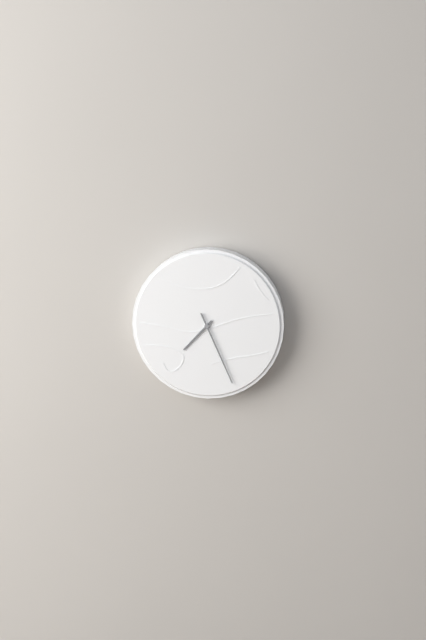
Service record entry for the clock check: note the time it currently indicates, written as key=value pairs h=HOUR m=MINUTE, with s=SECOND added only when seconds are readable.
h=7 m=26
